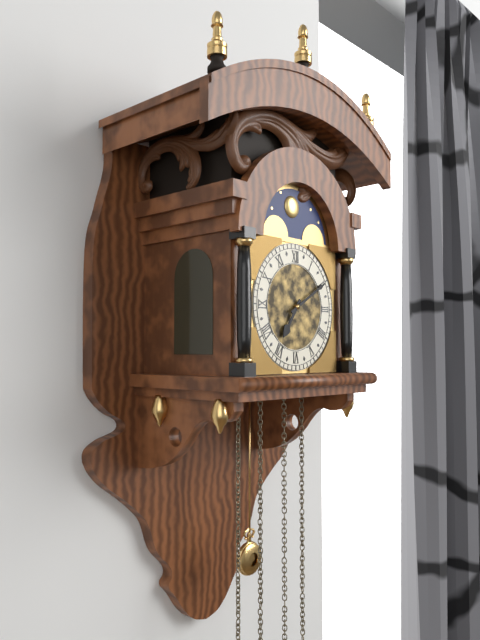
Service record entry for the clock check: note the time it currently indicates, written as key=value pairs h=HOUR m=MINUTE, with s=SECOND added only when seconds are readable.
h=7 m=10
